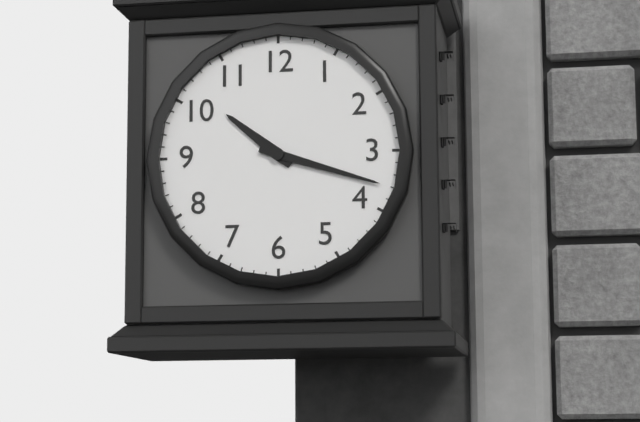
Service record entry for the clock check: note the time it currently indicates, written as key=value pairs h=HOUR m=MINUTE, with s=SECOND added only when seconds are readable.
h=10 m=18
